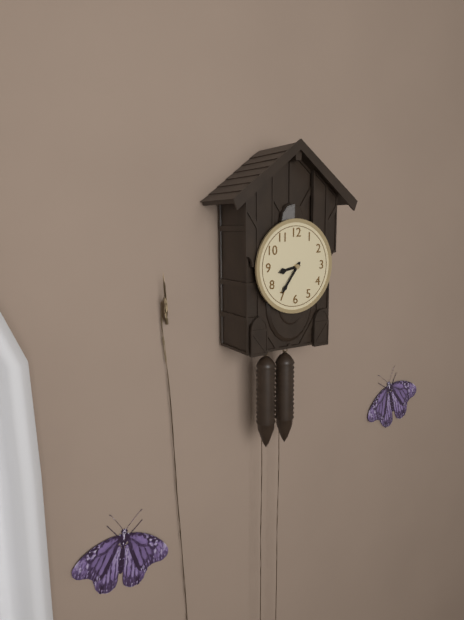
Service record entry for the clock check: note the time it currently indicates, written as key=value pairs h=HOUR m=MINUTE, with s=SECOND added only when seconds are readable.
h=8 m=36
